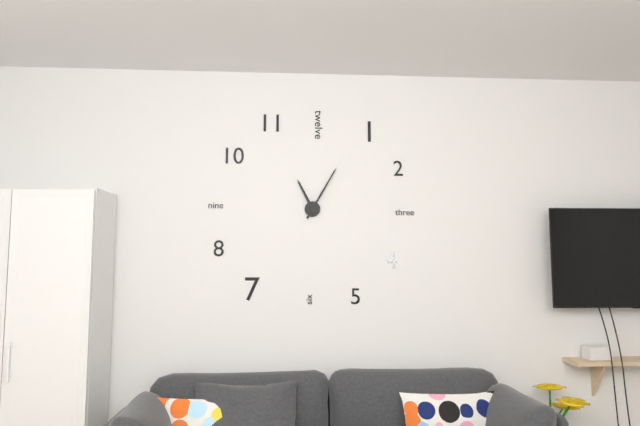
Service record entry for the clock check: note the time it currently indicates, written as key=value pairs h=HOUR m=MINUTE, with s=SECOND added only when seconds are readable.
h=11 m=5
